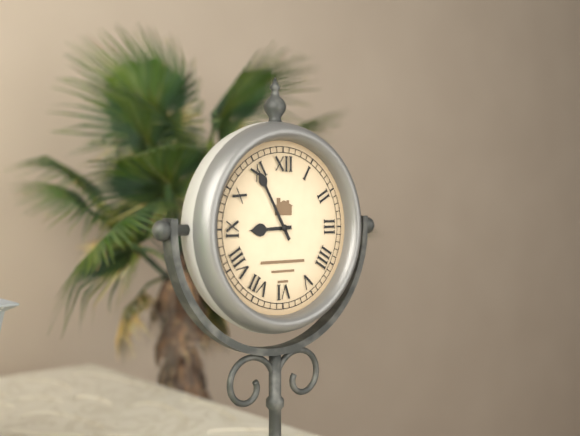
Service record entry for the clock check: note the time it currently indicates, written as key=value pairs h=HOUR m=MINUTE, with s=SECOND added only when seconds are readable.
h=8 m=55
